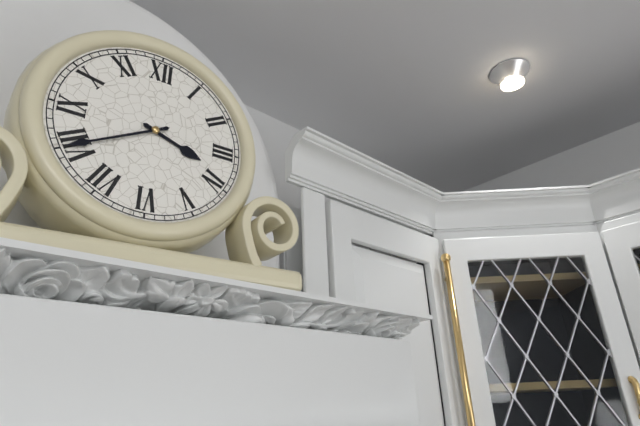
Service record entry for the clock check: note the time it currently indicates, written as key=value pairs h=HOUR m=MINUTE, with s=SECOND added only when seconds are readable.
h=3 m=40
